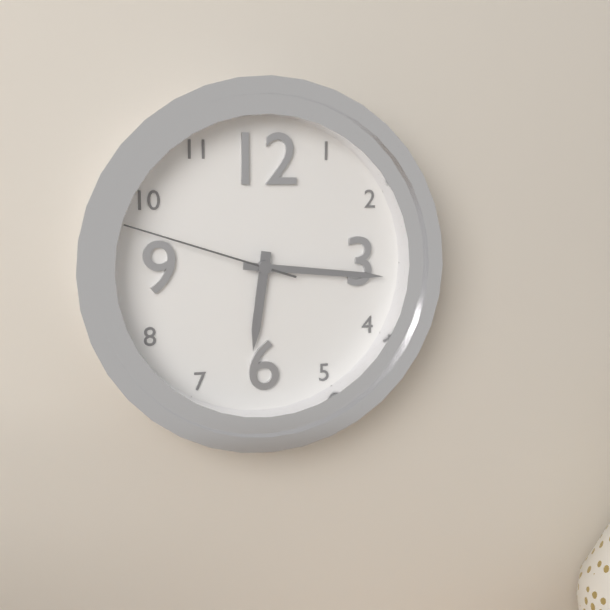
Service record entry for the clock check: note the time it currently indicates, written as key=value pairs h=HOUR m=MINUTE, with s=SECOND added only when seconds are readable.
h=6 m=16 s=48
